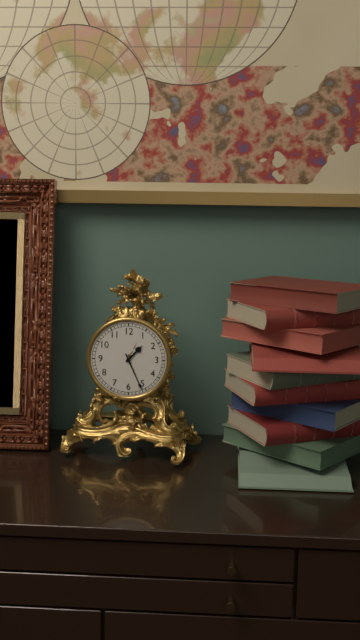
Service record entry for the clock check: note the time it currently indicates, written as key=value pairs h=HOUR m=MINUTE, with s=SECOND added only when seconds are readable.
h=1 m=26
